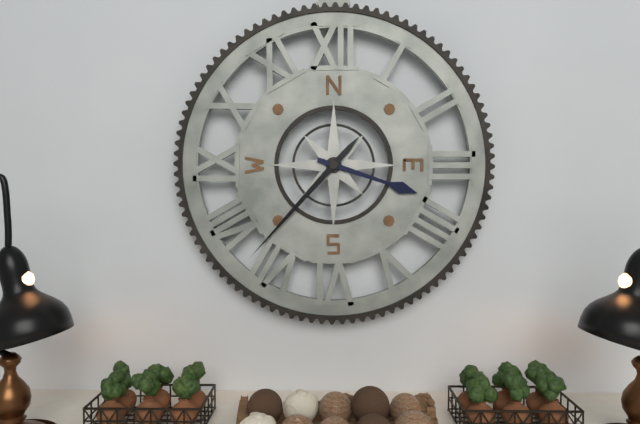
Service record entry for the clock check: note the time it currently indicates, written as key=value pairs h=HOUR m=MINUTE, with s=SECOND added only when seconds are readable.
h=3 m=37
